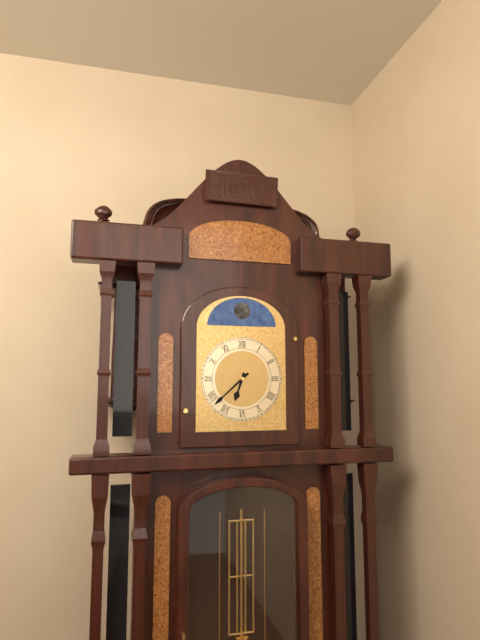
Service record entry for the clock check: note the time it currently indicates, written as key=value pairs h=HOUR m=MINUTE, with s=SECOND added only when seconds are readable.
h=6 m=38
